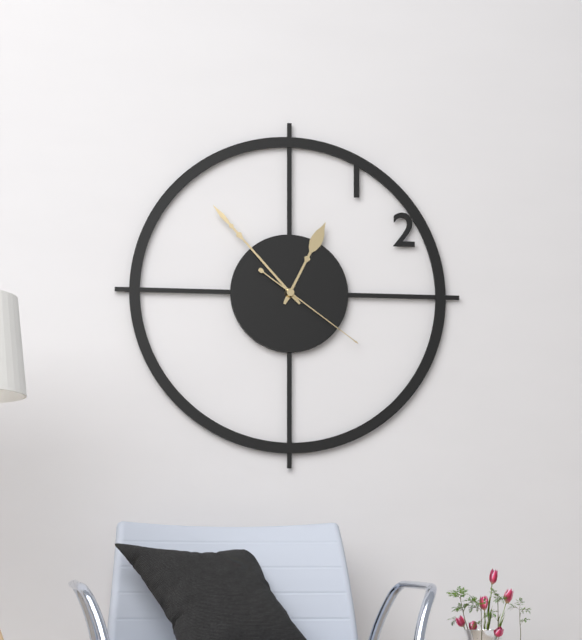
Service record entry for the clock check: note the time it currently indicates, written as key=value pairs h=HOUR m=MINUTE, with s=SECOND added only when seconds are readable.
h=12 m=53 s=21
